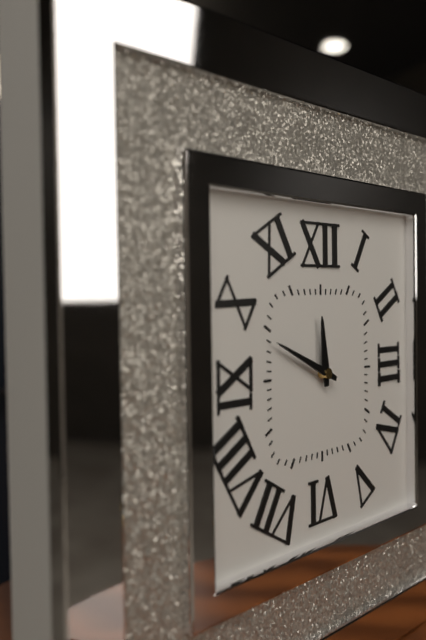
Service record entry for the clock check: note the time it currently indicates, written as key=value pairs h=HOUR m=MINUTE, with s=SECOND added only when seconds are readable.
h=11 m=49
